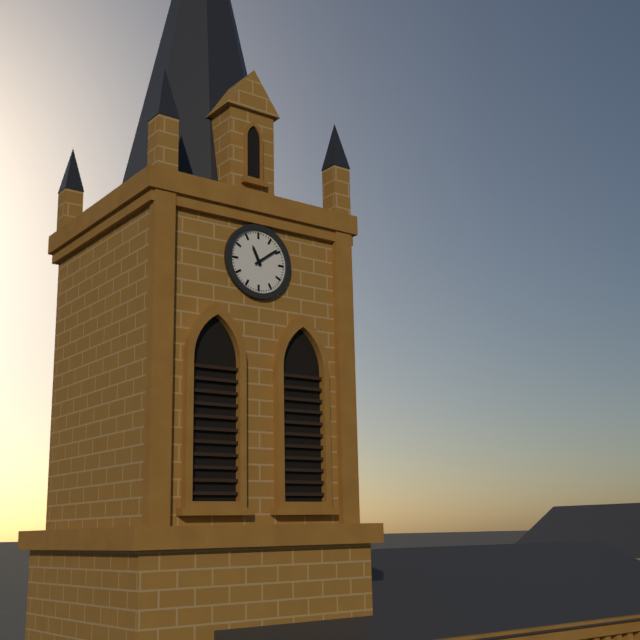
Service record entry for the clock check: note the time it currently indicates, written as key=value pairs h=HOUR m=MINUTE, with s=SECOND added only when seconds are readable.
h=11 m=9
